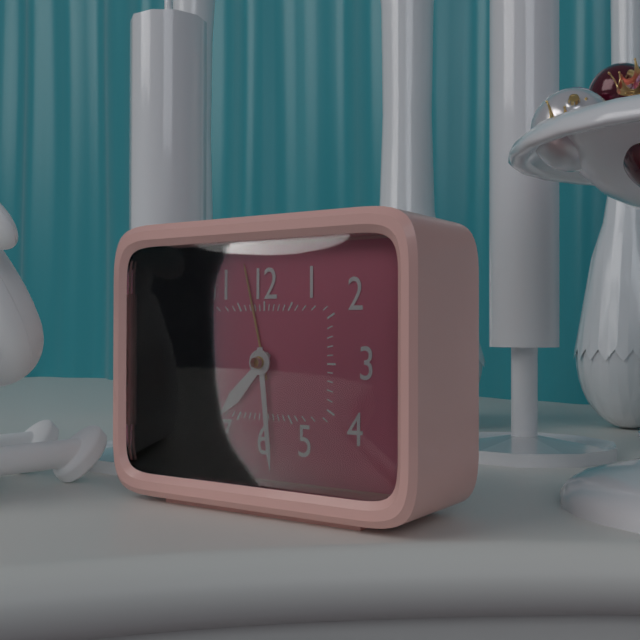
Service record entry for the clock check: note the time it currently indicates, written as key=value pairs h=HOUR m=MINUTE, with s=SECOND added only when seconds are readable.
h=7 m=29
